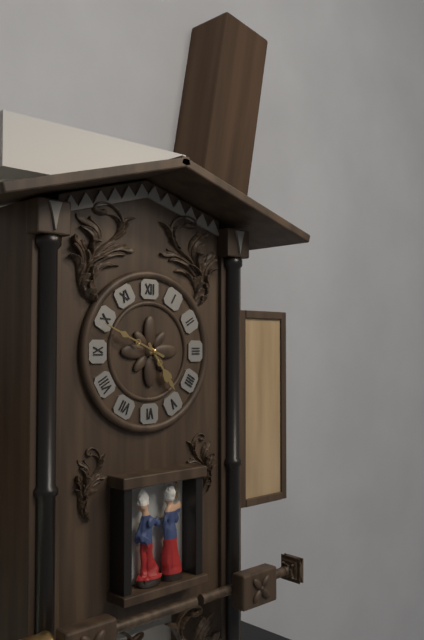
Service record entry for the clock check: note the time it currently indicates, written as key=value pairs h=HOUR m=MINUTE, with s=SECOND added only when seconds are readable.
h=4 m=49
